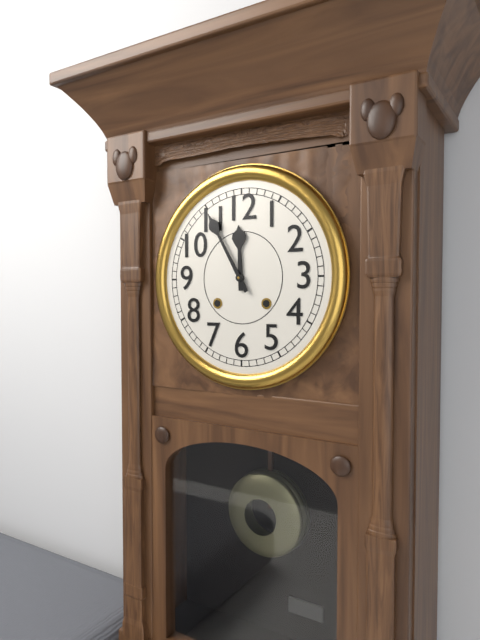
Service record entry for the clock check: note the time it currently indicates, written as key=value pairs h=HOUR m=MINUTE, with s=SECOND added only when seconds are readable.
h=11 m=55
